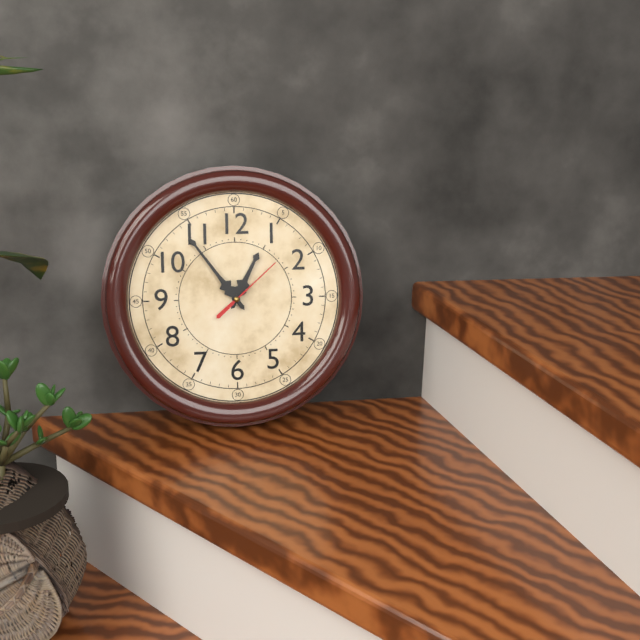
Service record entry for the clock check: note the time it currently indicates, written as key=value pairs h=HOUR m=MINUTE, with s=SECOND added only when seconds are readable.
h=12 m=54 s=8
